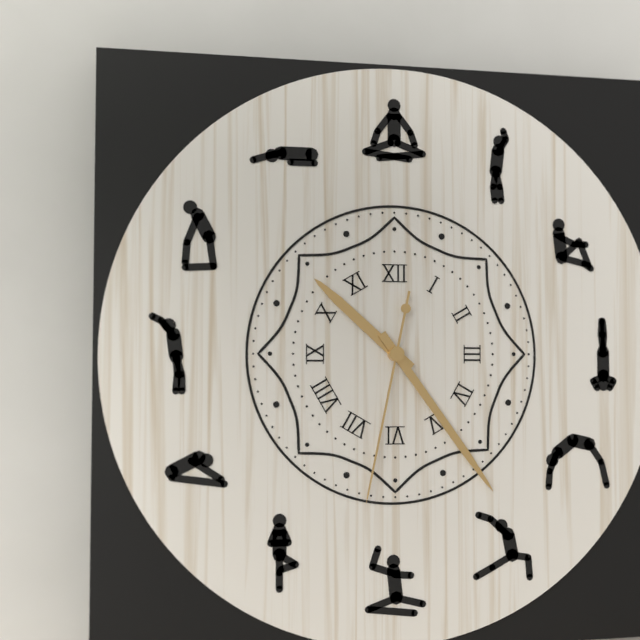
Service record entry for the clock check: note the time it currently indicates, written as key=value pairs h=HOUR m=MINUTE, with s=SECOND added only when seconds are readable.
h=10 m=24 s=32
